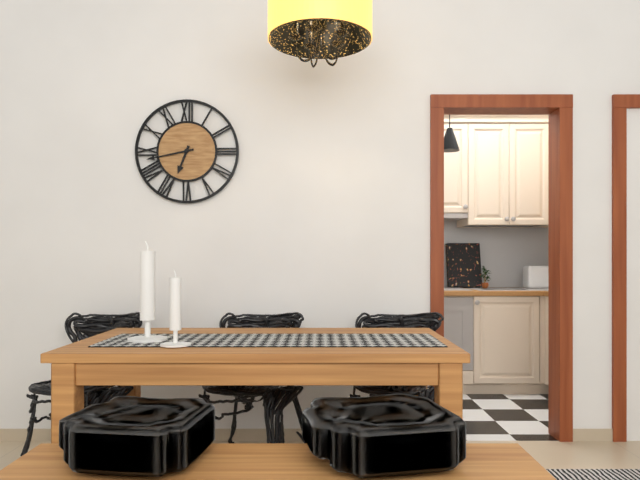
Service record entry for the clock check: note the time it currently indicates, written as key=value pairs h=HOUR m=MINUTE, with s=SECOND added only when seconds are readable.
h=6 m=43
